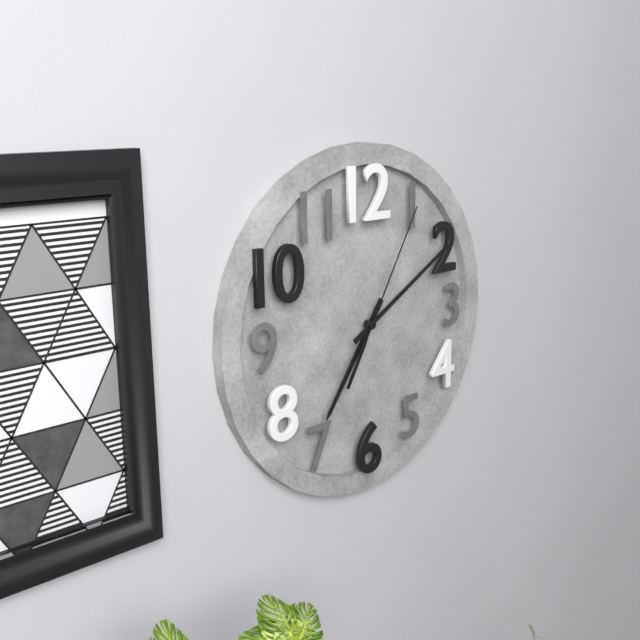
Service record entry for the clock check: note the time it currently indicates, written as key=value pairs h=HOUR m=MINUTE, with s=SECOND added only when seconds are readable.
h=7 m=10 s=5
